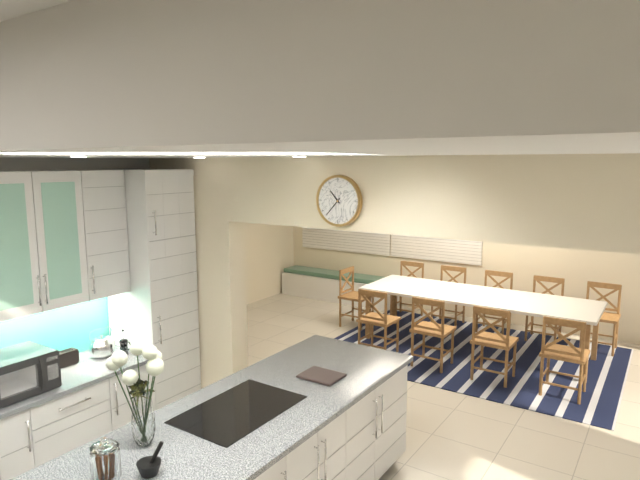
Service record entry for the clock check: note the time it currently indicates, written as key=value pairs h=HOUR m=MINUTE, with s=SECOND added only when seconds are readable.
h=10 m=37
